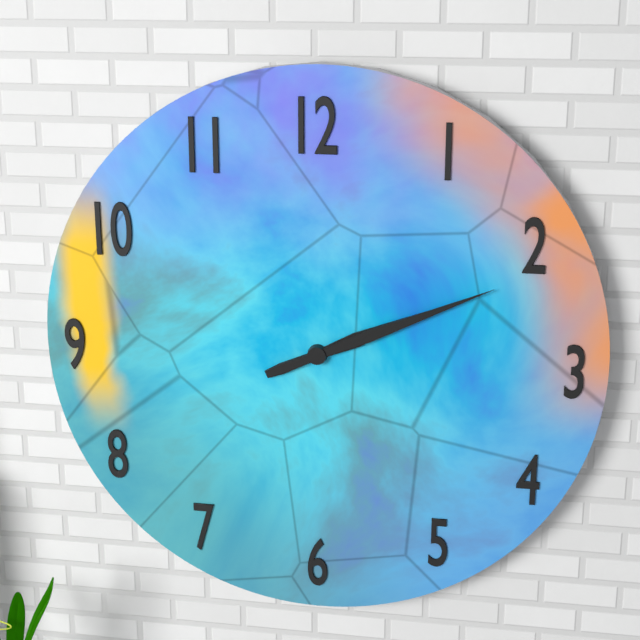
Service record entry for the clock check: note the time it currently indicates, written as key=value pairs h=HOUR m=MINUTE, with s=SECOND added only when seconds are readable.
h=2 m=11
